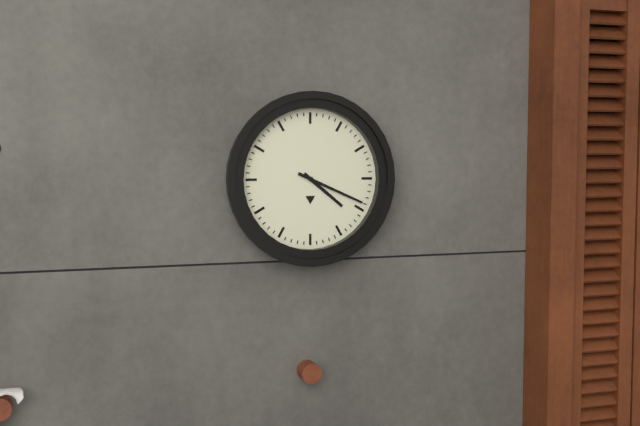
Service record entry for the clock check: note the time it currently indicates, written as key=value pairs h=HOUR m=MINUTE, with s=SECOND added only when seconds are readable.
h=4 m=19
